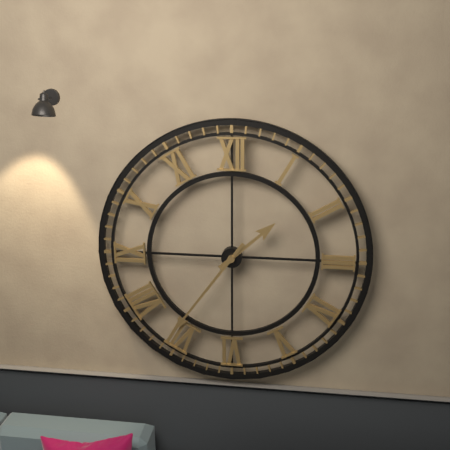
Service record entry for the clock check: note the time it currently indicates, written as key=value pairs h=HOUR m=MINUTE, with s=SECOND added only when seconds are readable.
h=1 m=36
